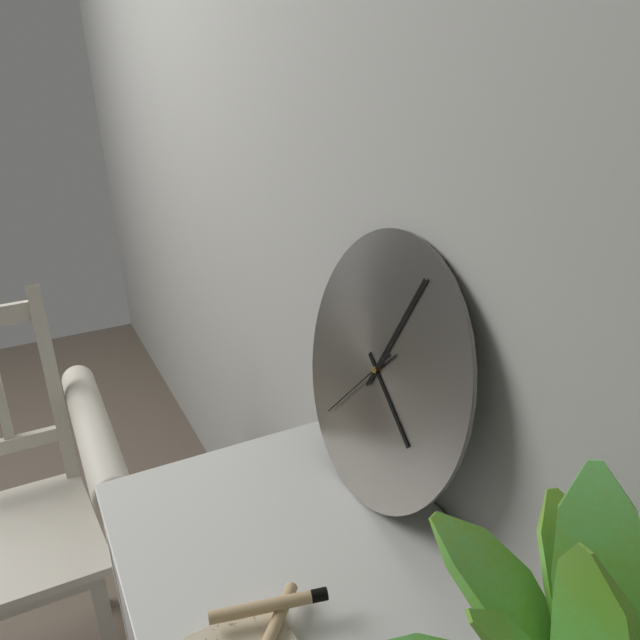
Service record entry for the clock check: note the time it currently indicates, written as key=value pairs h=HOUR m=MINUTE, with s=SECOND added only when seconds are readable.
h=4 m=4 s=37
